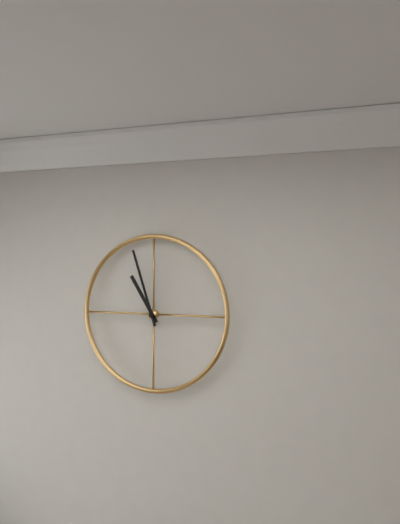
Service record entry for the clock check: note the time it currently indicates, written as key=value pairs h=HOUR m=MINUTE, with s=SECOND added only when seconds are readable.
h=10 m=57
